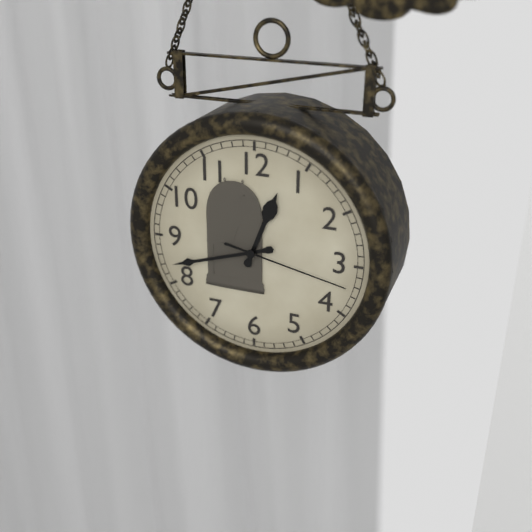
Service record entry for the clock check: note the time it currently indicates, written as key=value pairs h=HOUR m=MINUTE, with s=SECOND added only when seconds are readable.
h=12 m=42 s=17
